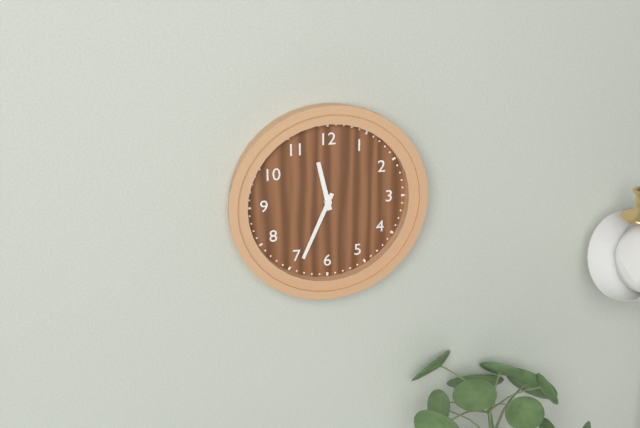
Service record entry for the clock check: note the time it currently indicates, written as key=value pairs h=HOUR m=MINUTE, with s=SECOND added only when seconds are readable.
h=11 m=34
